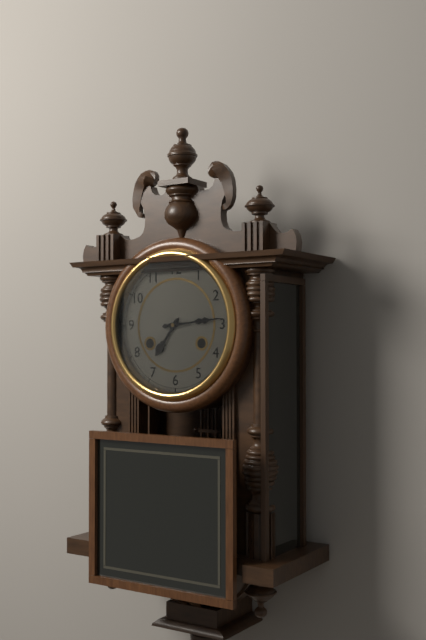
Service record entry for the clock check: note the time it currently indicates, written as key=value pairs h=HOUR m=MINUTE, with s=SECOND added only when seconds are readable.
h=7 m=14
